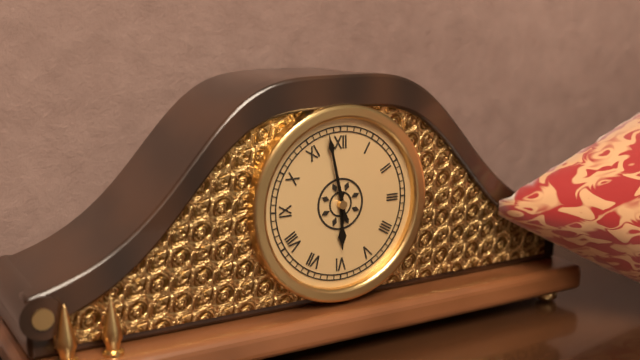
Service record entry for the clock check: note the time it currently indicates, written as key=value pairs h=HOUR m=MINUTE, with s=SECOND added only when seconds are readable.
h=5 m=58
